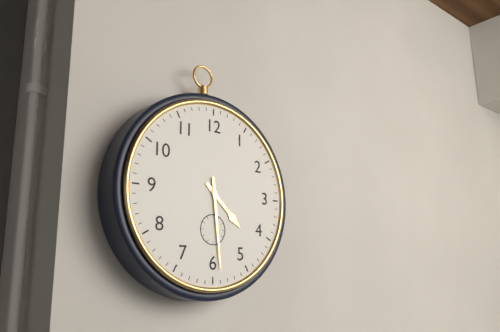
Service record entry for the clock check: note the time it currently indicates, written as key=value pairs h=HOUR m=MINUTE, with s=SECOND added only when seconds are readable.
h=4 m=29
